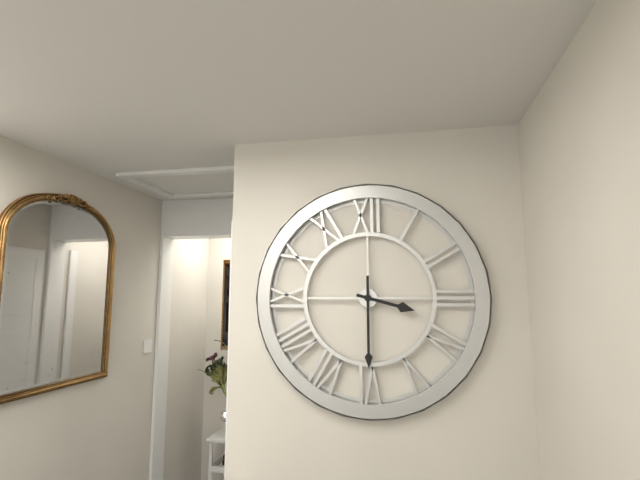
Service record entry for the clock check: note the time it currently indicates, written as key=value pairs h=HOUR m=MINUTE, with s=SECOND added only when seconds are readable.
h=3 m=30
